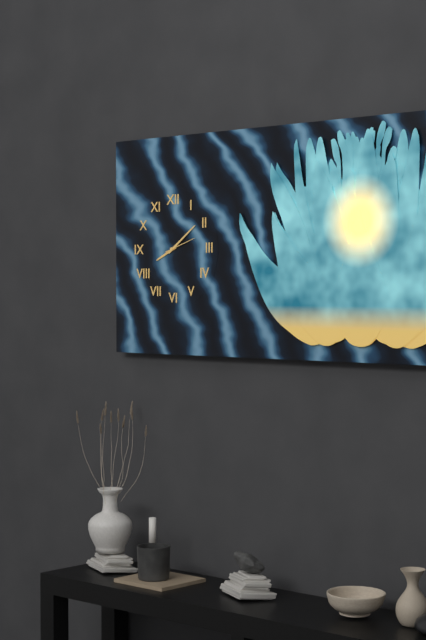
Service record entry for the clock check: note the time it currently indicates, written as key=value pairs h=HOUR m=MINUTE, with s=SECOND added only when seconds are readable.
h=8 m=9
